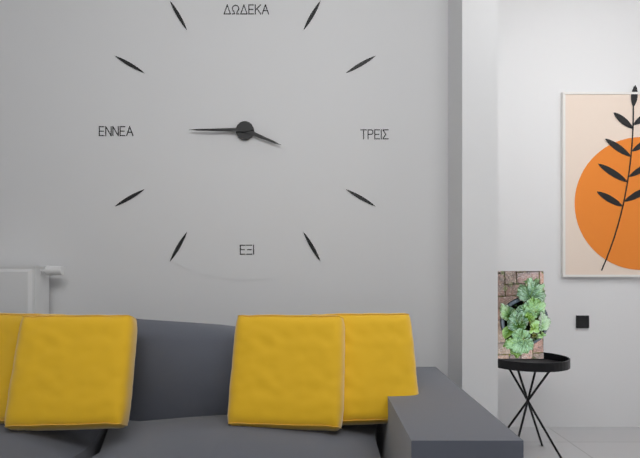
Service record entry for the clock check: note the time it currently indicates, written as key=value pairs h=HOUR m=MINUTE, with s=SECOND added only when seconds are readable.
h=3 m=45
